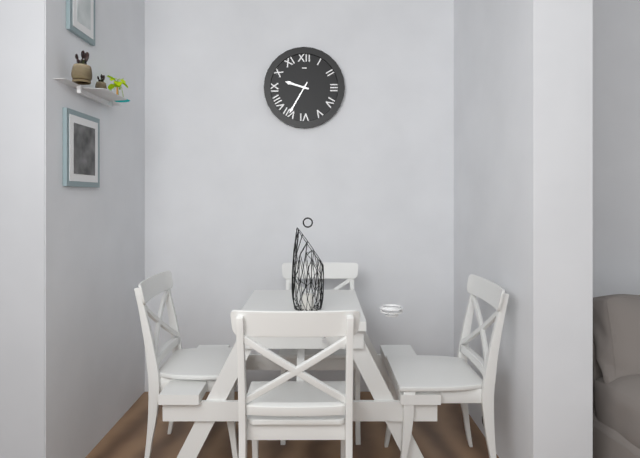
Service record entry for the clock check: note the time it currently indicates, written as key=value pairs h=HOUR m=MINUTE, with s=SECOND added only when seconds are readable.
h=9 m=35
